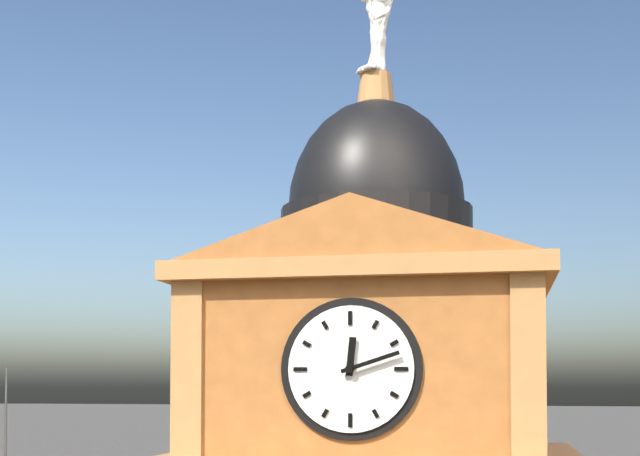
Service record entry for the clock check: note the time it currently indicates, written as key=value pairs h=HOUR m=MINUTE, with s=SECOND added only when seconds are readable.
h=12 m=12
